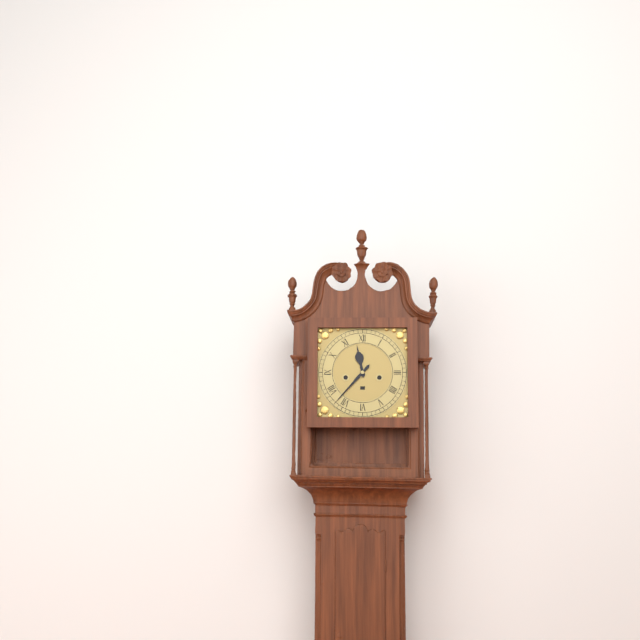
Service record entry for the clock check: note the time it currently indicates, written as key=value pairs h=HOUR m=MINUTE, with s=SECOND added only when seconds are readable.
h=11 m=37
